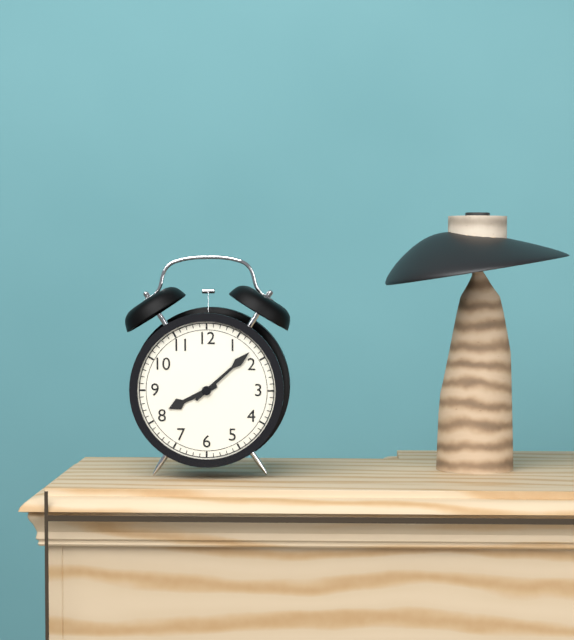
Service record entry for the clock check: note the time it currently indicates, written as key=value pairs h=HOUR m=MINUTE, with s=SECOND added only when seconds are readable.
h=8 m=8
